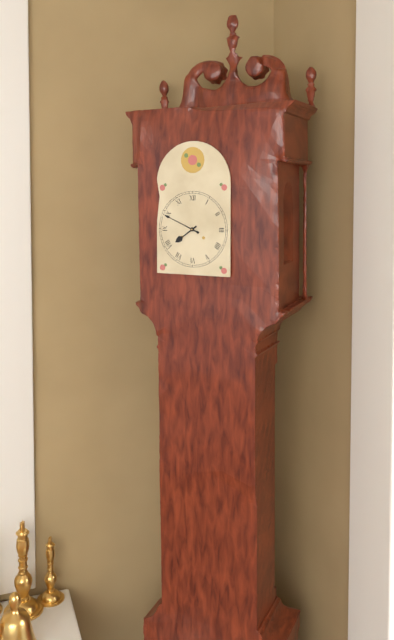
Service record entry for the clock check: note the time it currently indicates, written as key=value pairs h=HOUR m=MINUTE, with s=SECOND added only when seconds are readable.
h=7 m=49
